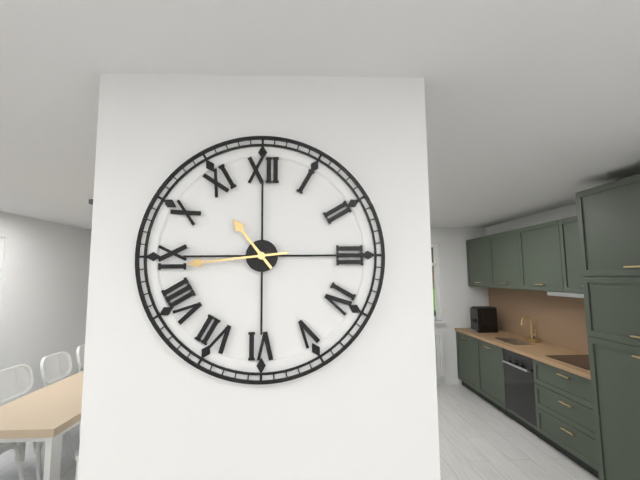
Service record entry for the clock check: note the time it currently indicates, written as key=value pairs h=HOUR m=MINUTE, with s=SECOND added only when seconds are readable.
h=10 m=44
